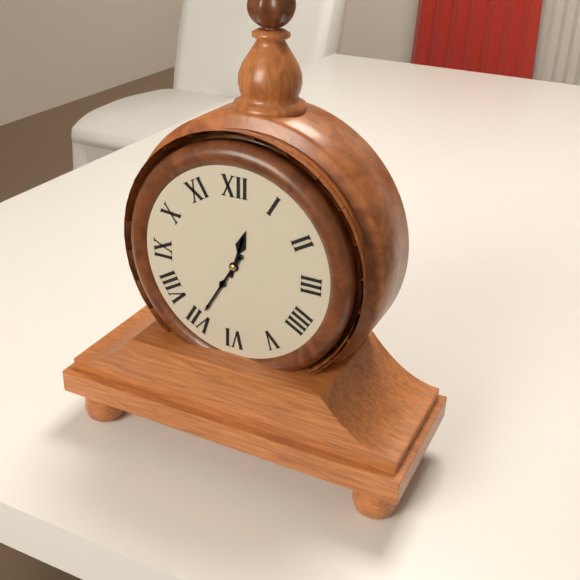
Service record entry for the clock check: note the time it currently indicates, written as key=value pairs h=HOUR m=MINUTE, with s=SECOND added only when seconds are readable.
h=12 m=35
